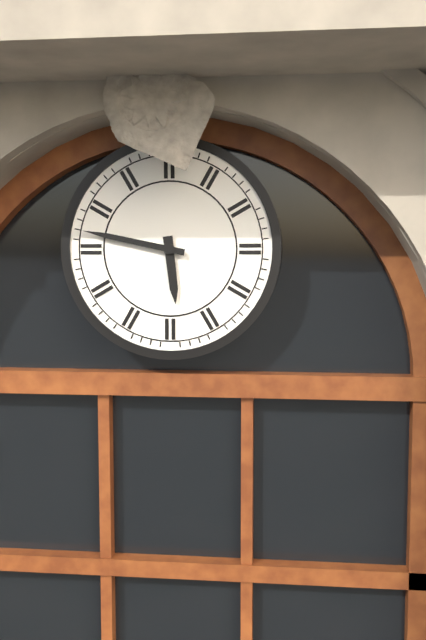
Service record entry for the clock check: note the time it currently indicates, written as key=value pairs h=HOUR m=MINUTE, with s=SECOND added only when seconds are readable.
h=5 m=47
